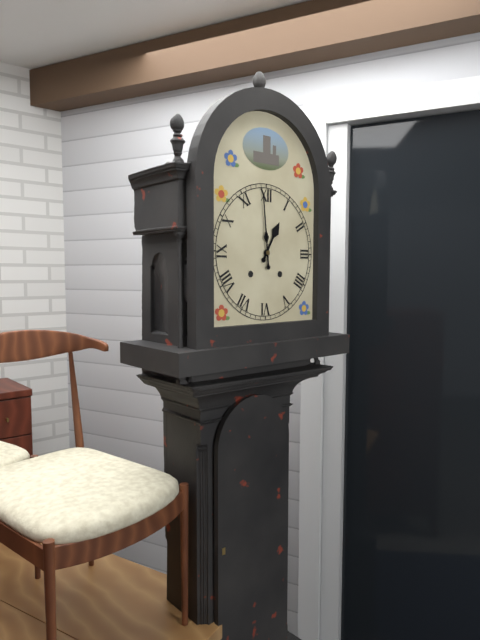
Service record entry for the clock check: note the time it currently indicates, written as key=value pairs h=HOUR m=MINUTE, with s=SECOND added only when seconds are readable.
h=12 m=59
